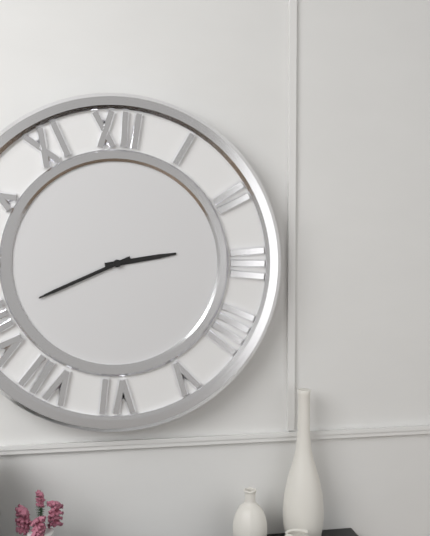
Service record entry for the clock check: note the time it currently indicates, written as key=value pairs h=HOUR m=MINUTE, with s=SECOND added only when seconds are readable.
h=2 m=41
